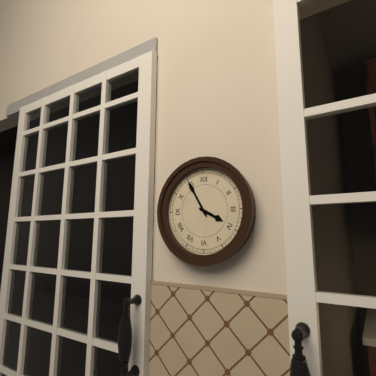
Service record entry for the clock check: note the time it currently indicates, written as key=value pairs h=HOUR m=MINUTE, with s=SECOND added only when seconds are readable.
h=3 m=55
